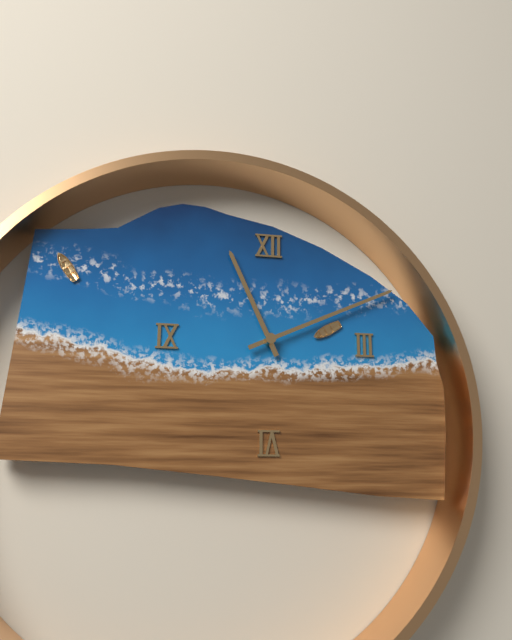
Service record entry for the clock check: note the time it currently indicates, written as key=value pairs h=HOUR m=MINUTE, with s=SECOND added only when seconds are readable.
h=11 m=11
